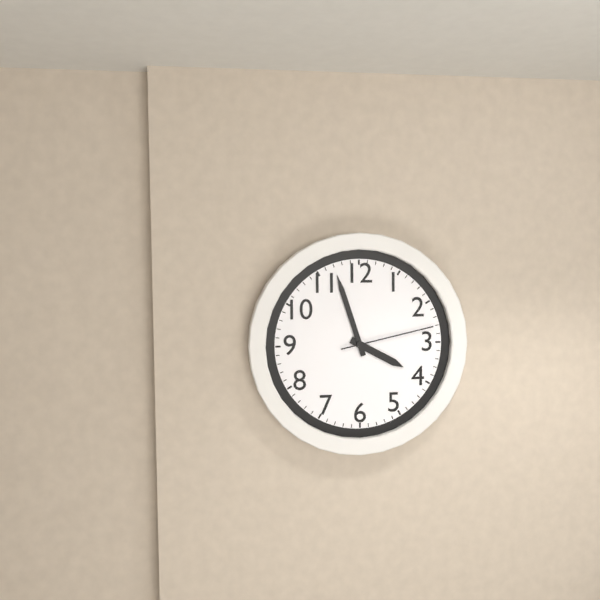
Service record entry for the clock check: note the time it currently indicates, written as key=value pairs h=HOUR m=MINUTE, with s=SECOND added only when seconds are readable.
h=3 m=57 s=13
